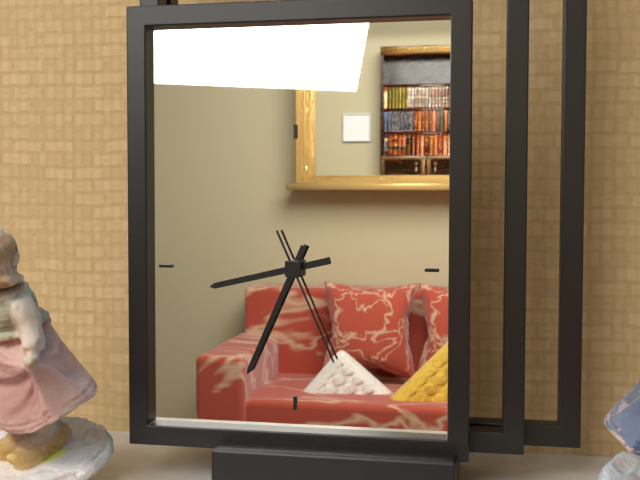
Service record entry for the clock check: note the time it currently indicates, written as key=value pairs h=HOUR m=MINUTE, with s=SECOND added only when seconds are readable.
h=8 m=34 s=26
